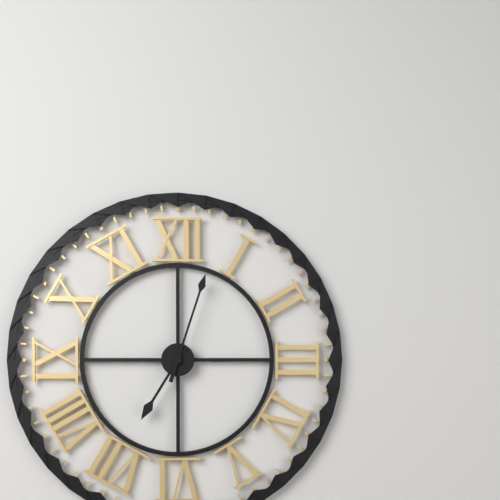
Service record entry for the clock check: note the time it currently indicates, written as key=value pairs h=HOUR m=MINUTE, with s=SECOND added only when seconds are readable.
h=7 m=3
